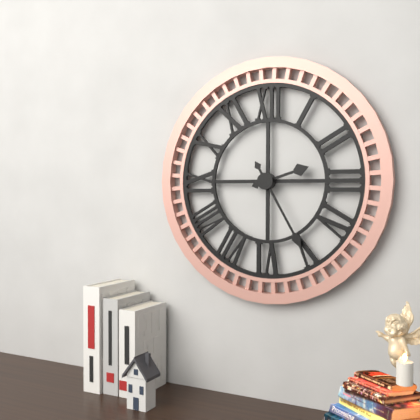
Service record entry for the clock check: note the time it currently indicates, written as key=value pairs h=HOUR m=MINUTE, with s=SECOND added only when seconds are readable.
h=2 m=25
